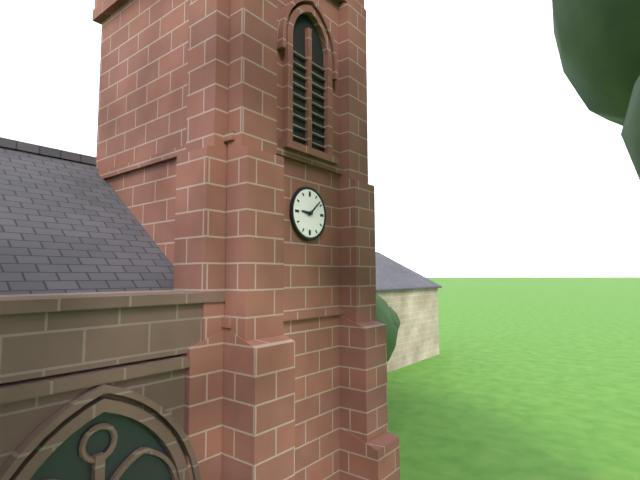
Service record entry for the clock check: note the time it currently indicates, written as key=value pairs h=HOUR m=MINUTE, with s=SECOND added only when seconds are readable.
h=9 m=8
